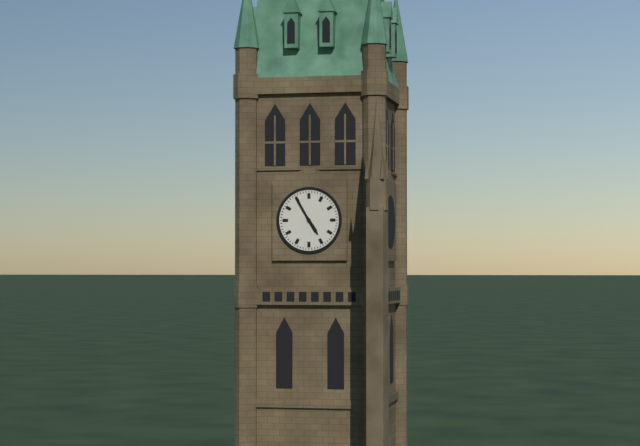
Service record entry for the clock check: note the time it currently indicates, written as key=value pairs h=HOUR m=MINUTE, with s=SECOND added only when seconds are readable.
h=4 m=55
